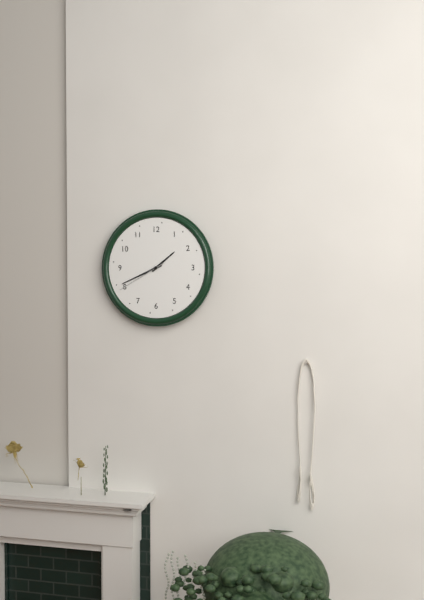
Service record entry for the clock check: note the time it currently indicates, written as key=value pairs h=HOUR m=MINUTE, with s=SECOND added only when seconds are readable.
h=1 m=41 s=40
